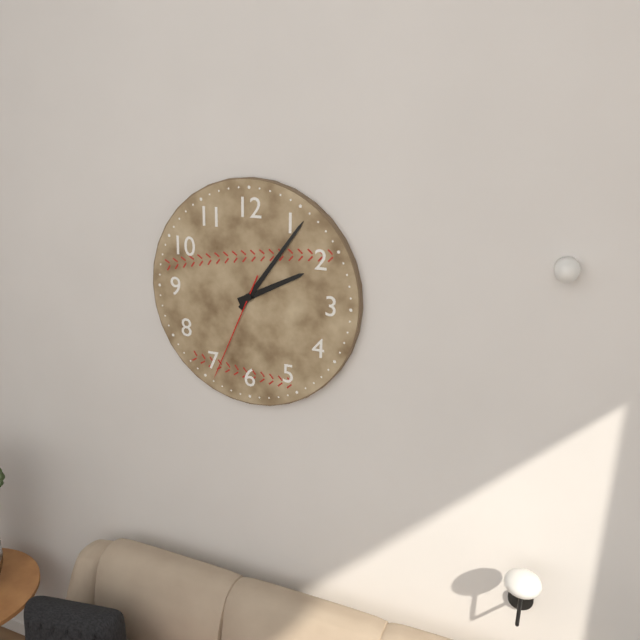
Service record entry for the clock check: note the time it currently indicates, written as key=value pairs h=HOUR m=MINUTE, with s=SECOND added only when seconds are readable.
h=2 m=6 s=34
